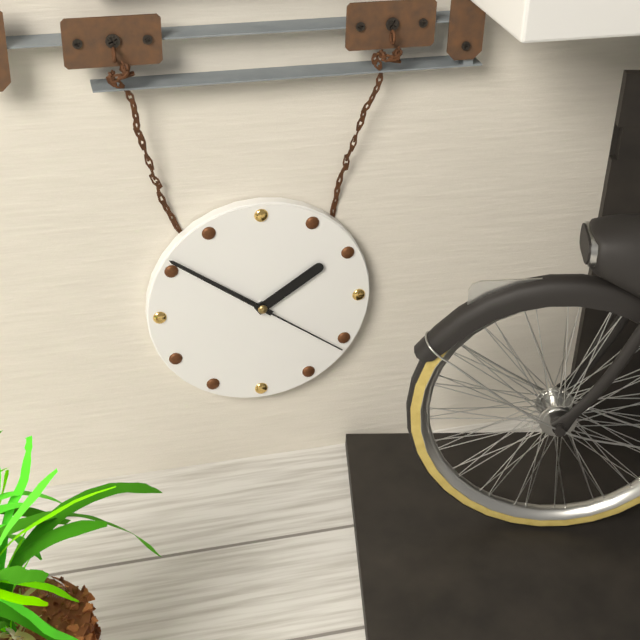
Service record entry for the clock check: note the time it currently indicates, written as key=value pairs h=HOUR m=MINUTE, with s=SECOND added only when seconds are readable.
h=1 m=51 s=21
